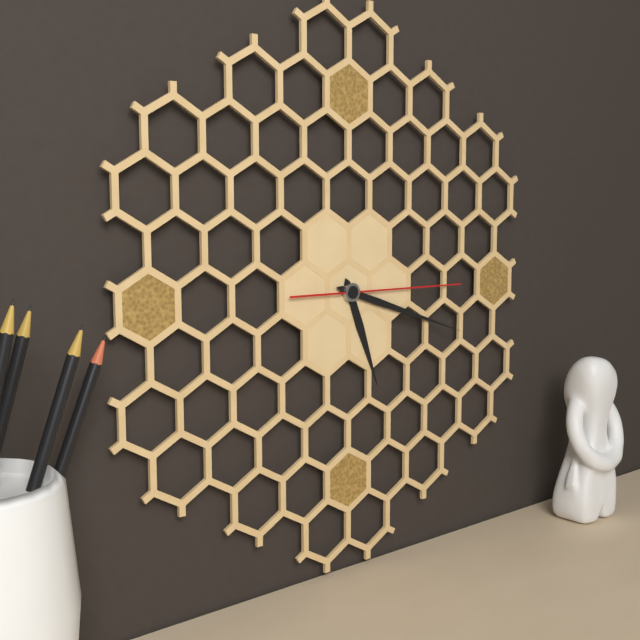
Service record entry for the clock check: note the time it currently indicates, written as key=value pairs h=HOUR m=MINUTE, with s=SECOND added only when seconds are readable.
h=5 m=18 s=15
